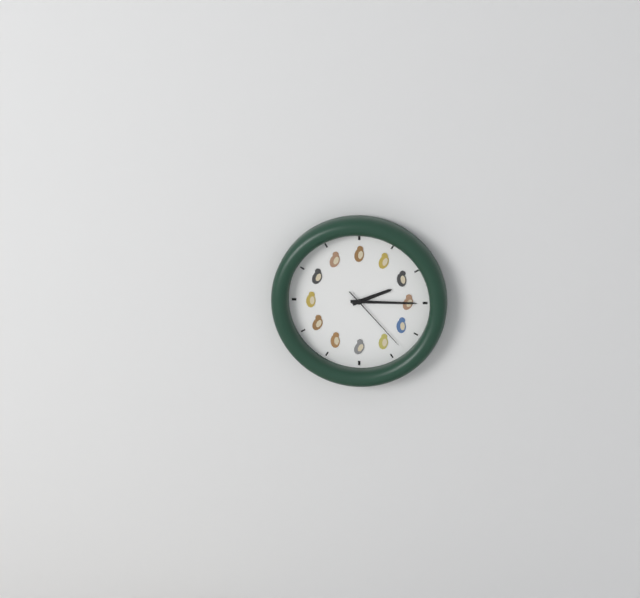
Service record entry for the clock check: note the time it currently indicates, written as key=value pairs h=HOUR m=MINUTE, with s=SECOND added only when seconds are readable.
h=2 m=15 s=23
